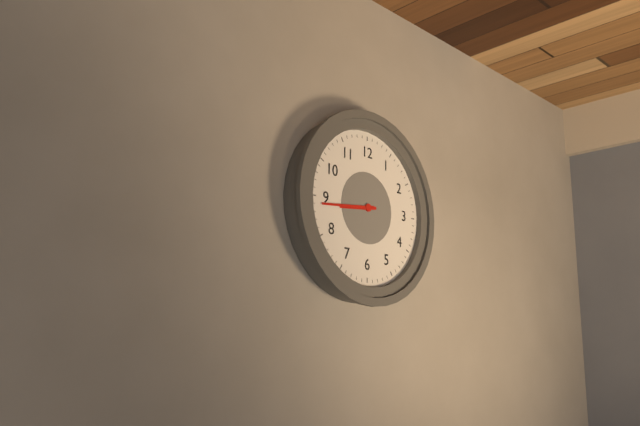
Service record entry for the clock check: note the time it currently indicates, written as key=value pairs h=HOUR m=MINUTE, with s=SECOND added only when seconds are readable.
h=8 m=44
